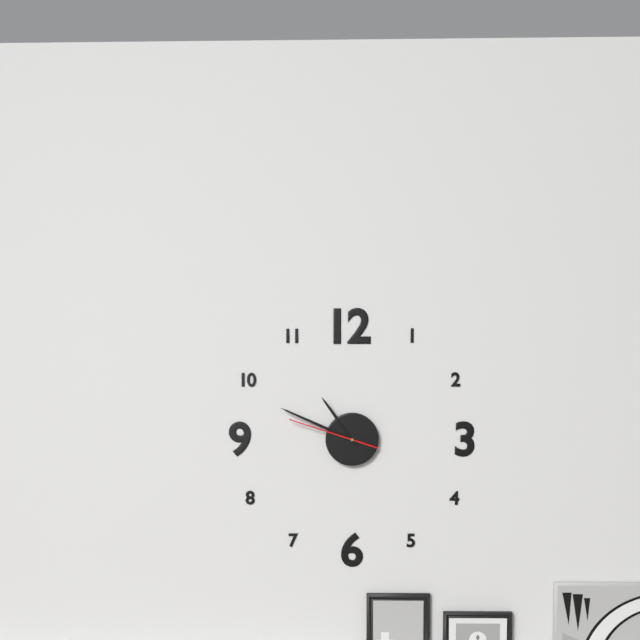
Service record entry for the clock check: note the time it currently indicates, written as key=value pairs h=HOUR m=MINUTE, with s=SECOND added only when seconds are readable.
h=10 m=49 s=48
